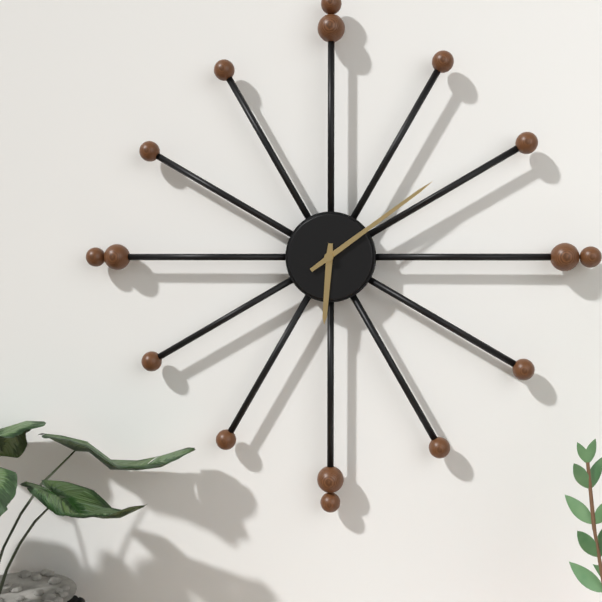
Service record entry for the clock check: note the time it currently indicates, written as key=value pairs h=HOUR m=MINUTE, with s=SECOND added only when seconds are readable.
h=6 m=9
